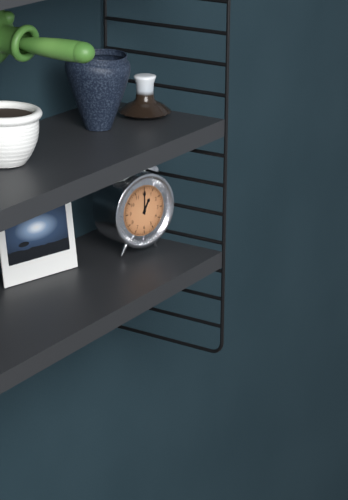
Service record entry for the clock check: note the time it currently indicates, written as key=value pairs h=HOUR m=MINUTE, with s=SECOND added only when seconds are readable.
h=1 m=0
